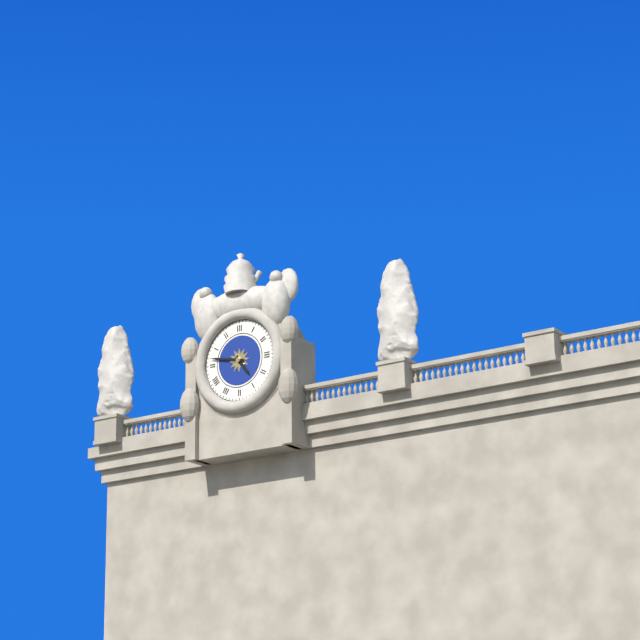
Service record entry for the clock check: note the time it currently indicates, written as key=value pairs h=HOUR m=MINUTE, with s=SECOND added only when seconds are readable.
h=4 m=47
